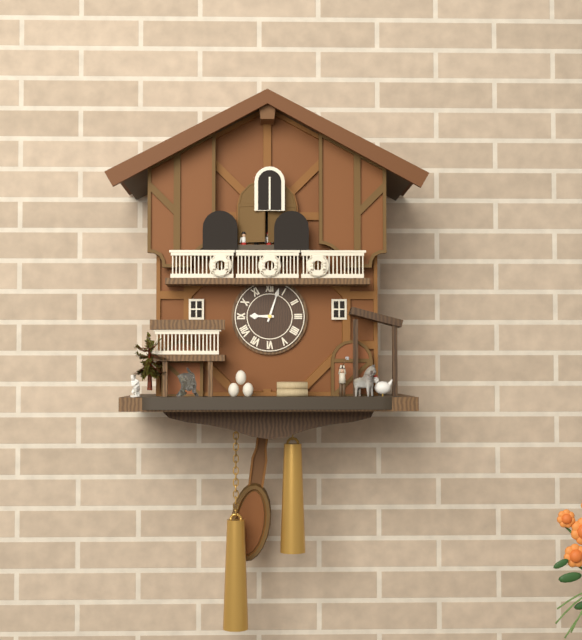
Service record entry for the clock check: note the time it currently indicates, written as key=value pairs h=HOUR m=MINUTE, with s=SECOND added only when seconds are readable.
h=9 m=3
